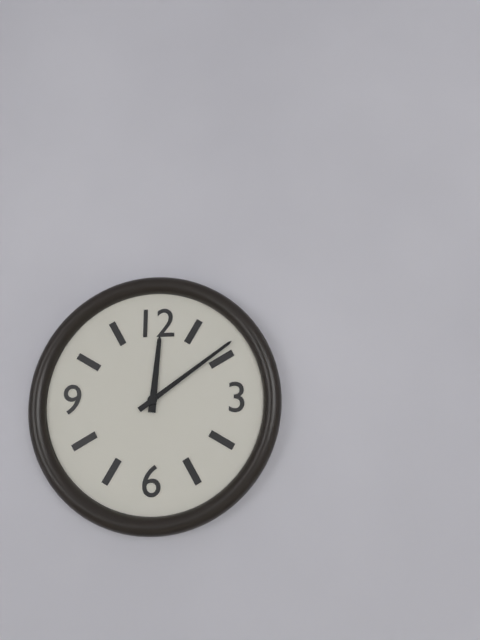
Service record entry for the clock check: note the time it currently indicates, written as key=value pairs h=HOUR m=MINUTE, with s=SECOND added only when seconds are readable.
h=12 m=9
